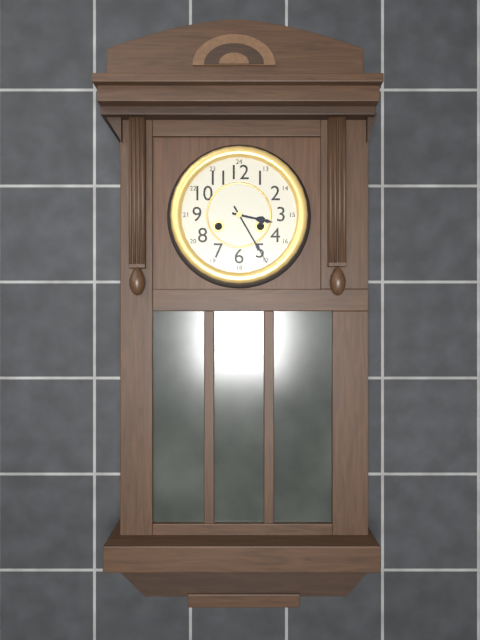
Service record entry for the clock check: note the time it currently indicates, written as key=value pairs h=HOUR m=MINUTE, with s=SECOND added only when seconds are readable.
h=3 m=25
